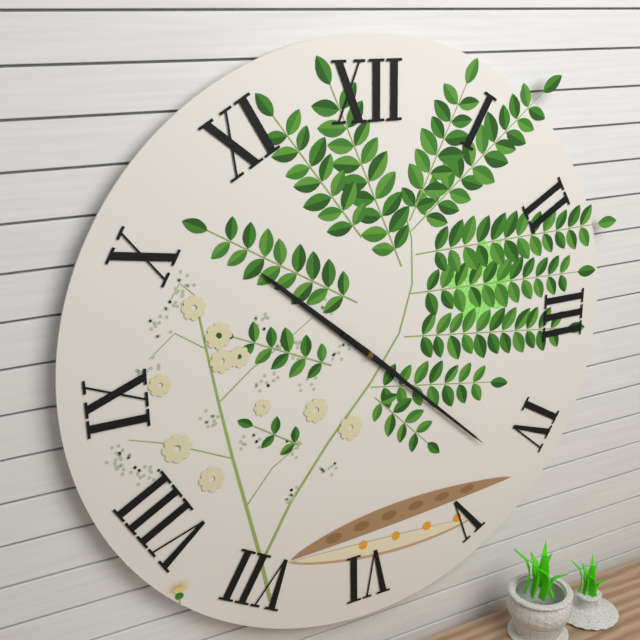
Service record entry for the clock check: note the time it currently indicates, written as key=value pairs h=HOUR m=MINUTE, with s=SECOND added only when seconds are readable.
h=10 m=22
